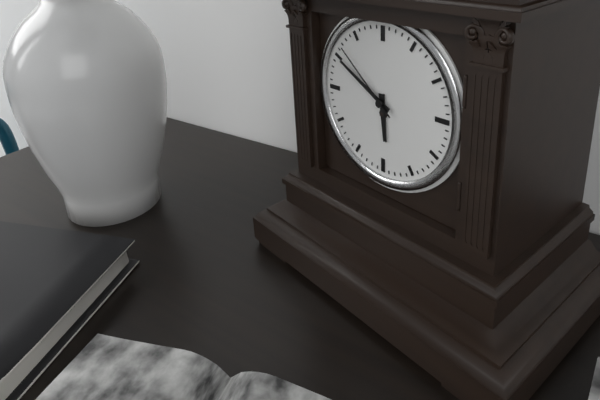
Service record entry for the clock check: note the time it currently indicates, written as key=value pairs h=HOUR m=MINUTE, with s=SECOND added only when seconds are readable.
h=5 m=50 s=52
